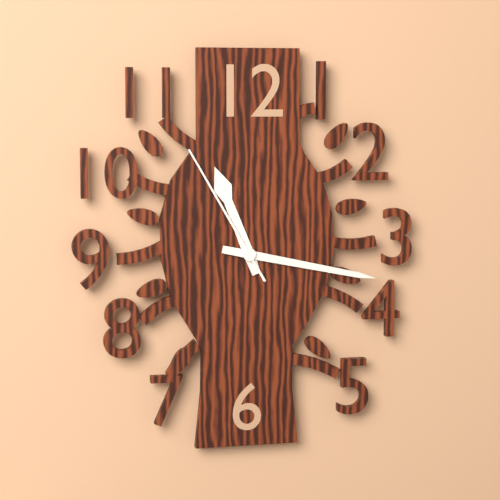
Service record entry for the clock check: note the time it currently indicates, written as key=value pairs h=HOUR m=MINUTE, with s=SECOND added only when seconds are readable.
h=11 m=17 s=55
